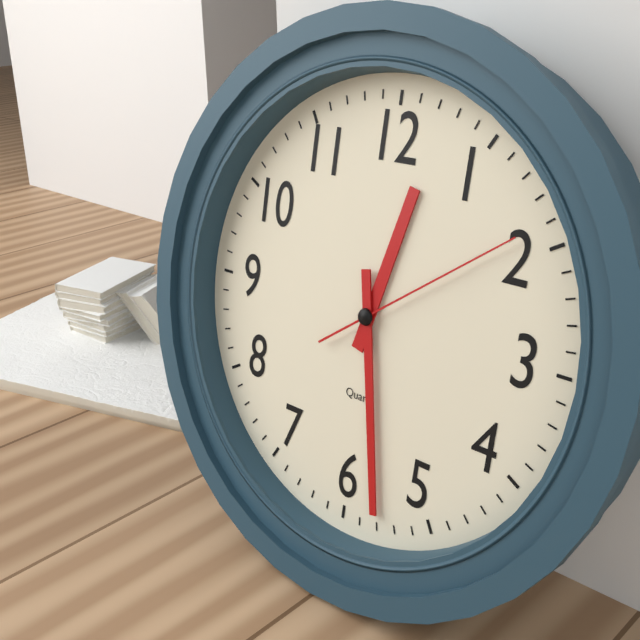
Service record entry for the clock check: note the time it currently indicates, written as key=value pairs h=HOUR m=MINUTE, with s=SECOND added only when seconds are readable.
h=12 m=28 s=9
